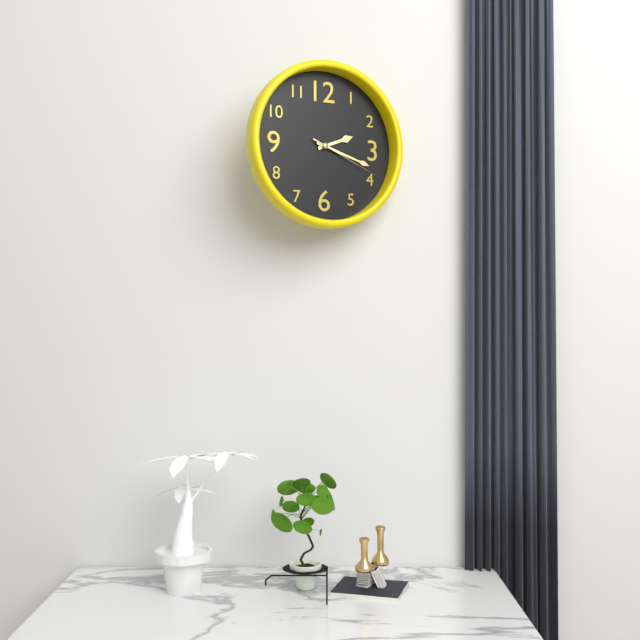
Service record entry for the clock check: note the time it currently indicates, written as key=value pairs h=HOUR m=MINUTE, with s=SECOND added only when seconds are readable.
h=2 m=18 s=19
